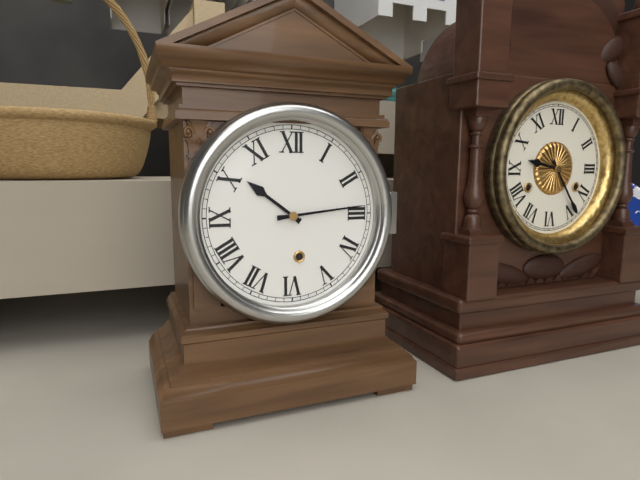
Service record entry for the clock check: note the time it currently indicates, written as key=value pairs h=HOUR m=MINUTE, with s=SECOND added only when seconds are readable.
h=10 m=14
